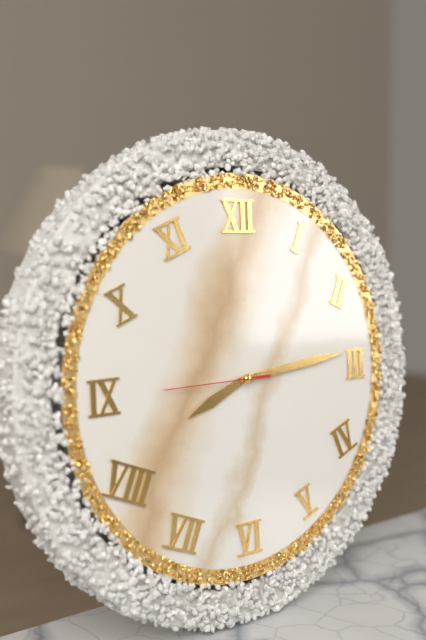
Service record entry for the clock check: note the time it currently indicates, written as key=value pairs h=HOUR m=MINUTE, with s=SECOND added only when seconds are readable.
h=8 m=14 s=45
